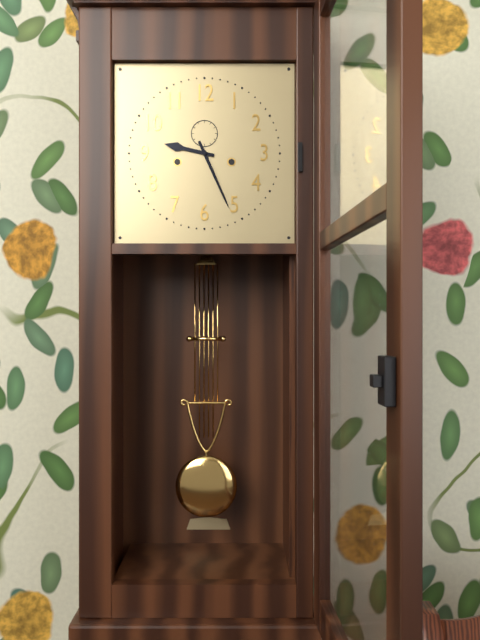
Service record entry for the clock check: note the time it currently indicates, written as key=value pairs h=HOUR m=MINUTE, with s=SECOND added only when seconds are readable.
h=9 m=26
